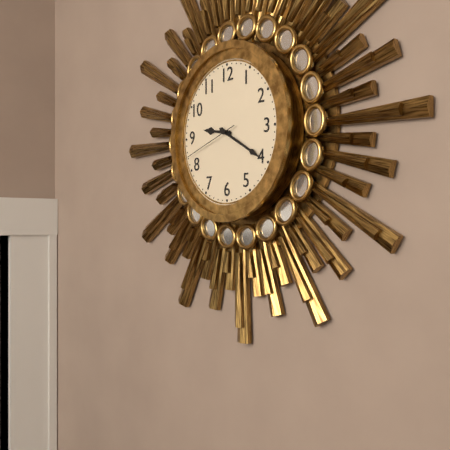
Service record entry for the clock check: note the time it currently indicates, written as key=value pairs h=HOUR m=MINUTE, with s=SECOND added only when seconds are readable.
h=9 m=20 s=42
